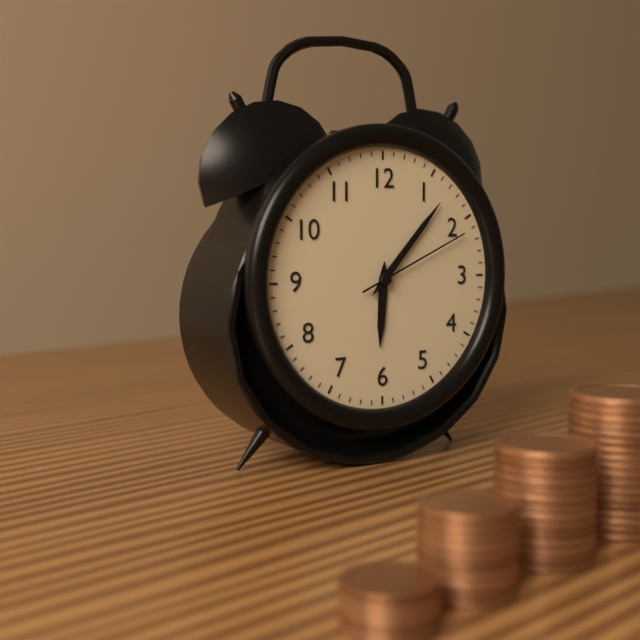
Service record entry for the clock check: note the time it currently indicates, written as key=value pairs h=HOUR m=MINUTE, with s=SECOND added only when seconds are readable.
h=6 m=7 s=11
